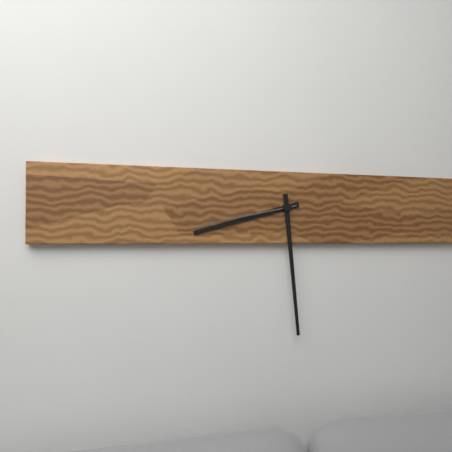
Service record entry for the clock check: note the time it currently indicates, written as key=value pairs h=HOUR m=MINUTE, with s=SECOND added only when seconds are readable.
h=8 m=29 s=43
